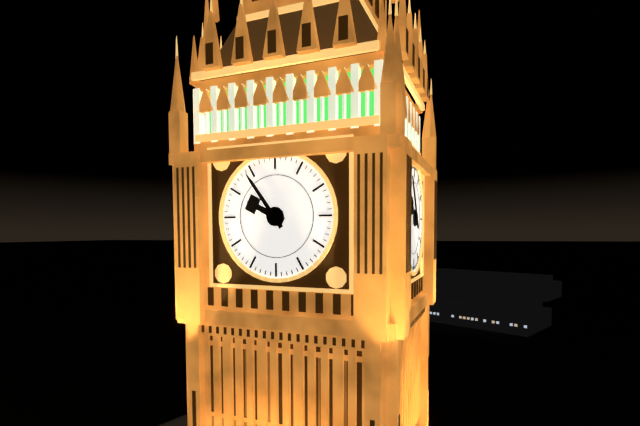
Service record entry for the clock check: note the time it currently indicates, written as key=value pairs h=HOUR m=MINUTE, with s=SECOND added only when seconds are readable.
h=9 m=54
